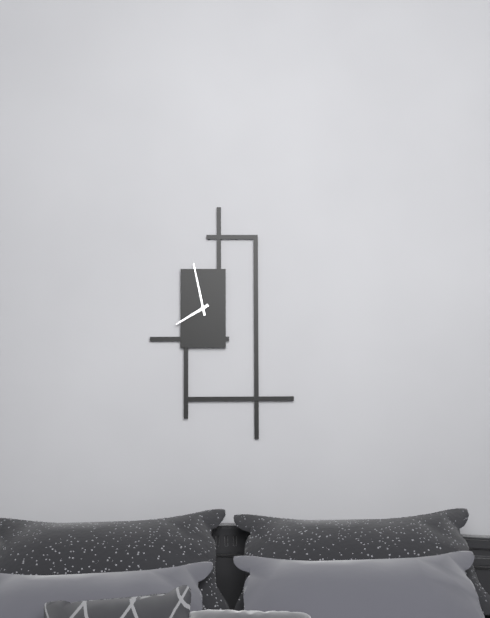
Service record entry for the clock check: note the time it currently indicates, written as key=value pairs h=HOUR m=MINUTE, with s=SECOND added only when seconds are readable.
h=7 m=58
